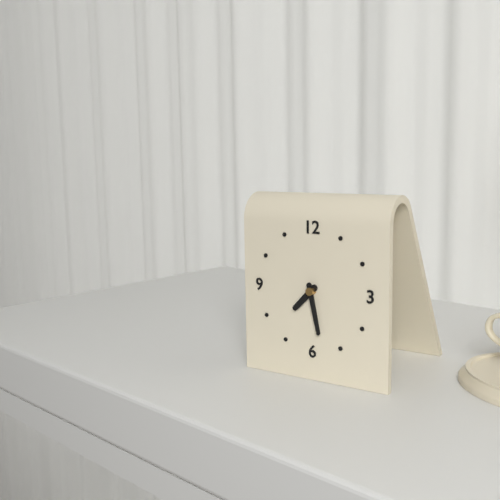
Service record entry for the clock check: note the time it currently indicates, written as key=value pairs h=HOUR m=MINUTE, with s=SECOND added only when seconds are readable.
h=7 m=28
